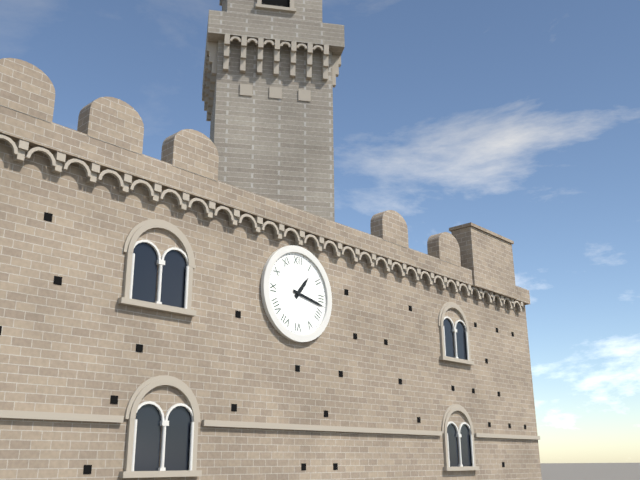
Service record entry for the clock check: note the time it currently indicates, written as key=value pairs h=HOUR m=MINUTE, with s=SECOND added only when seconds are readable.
h=1 m=17
